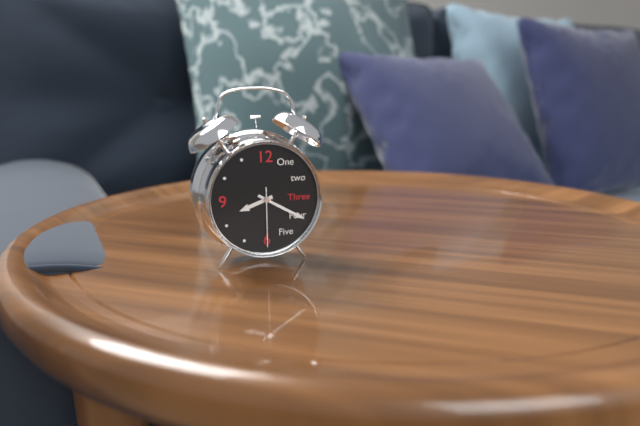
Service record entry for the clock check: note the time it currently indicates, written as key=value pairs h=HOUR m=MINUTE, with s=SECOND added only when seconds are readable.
h=8 m=20 s=30
